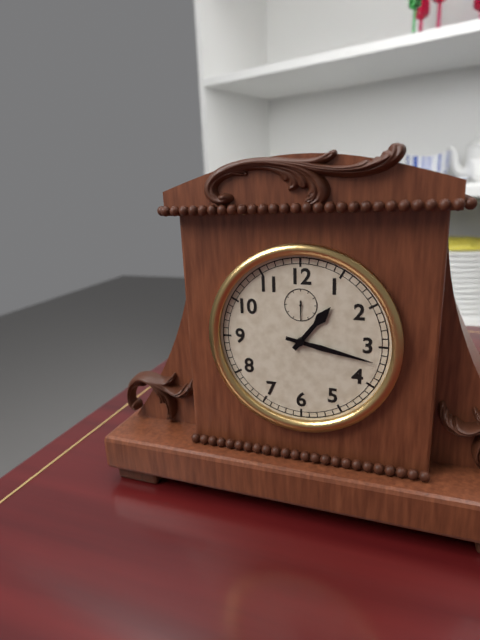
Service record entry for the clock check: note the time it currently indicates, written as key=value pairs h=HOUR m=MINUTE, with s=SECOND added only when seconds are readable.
h=1 m=17
